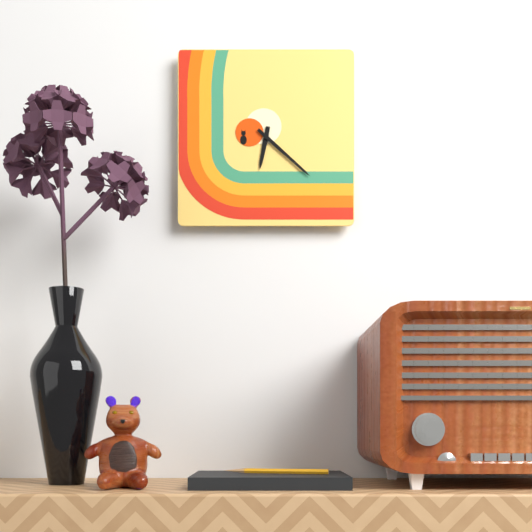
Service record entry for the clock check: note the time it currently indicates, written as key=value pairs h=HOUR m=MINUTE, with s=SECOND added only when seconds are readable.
h=6 m=22
